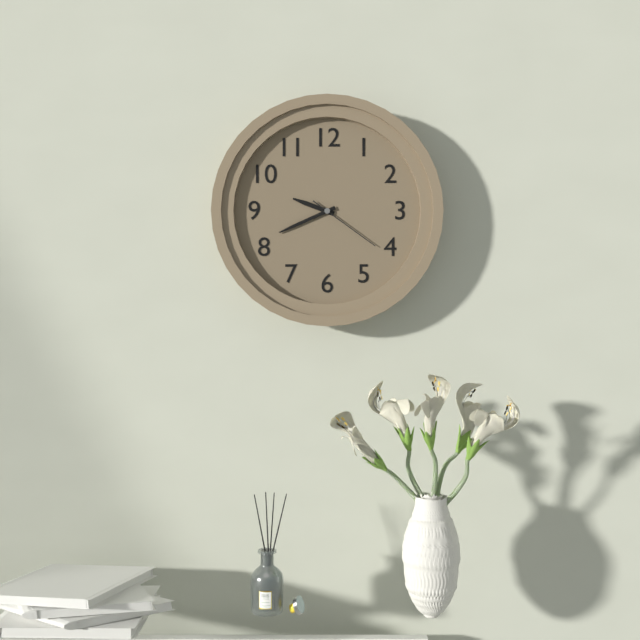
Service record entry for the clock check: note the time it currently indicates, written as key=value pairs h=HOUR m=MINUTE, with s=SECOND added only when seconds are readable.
h=9 m=41 s=21
